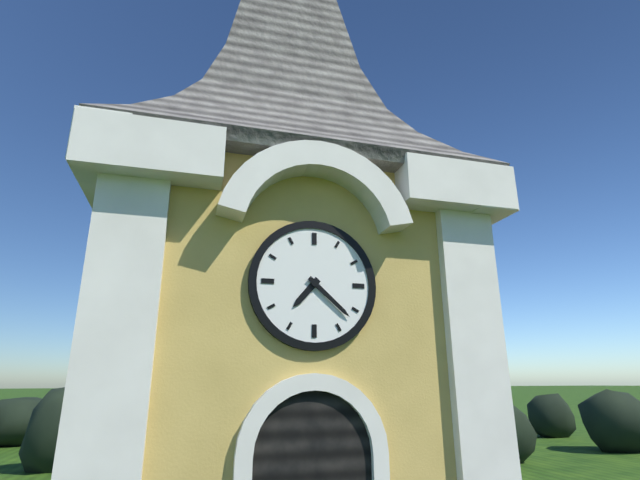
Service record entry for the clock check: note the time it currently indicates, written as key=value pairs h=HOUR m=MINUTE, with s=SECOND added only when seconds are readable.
h=7 m=22
